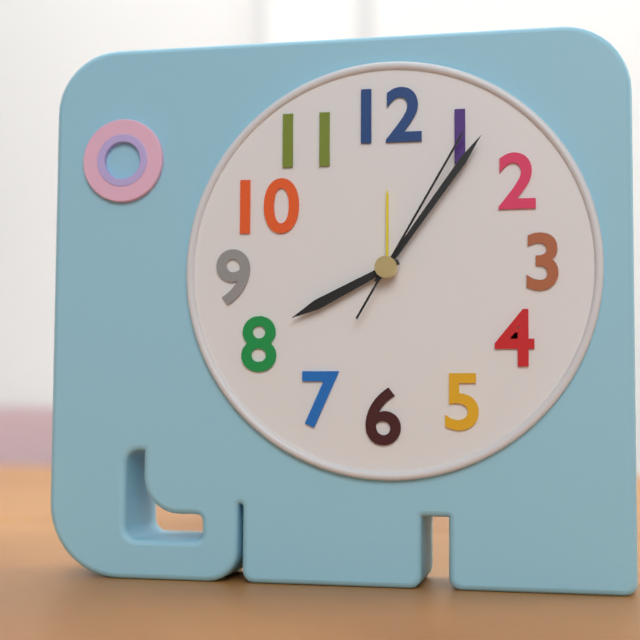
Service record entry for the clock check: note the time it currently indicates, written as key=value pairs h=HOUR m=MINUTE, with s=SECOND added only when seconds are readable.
h=8 m=6 s=5
